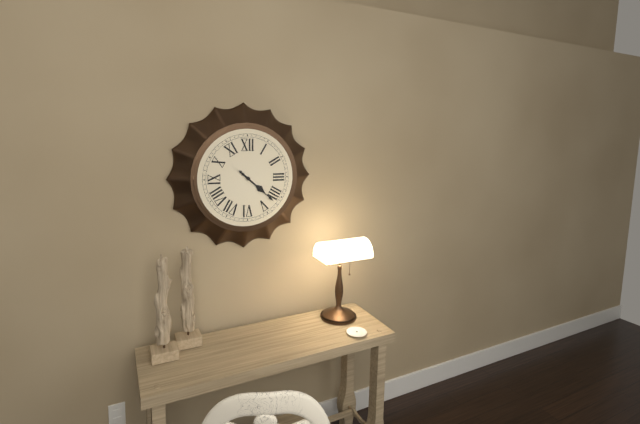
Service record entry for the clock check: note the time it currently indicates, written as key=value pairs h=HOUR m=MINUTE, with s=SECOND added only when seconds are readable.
h=4 m=22
